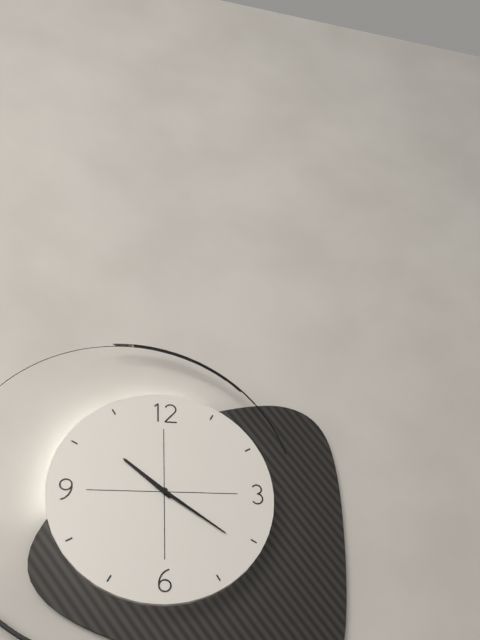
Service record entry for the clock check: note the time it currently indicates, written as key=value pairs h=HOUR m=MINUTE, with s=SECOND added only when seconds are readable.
h=10 m=21
